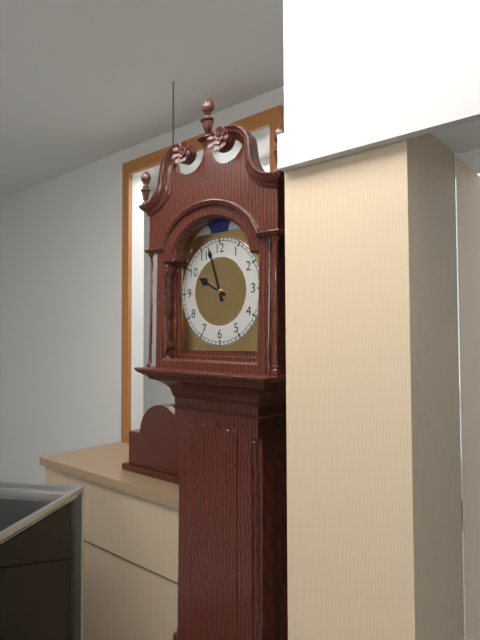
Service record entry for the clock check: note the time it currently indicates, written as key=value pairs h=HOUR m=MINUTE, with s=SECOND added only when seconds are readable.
h=9 m=57
